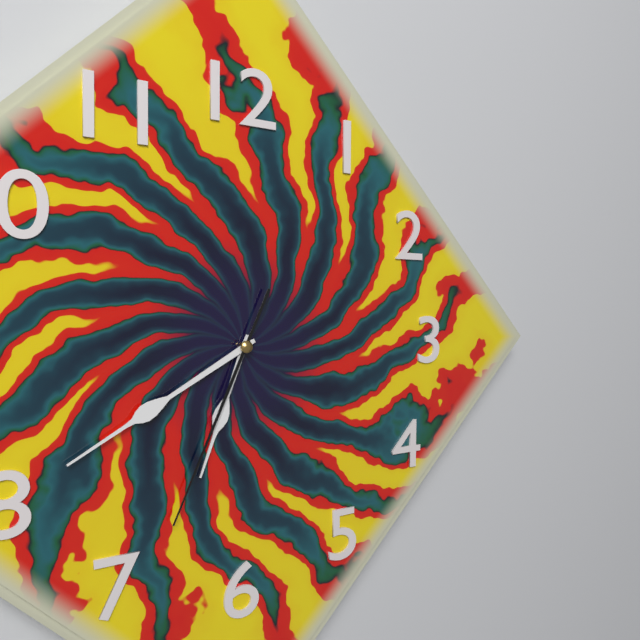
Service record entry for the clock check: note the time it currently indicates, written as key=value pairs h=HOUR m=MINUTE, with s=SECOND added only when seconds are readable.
h=6 m=40 s=34
